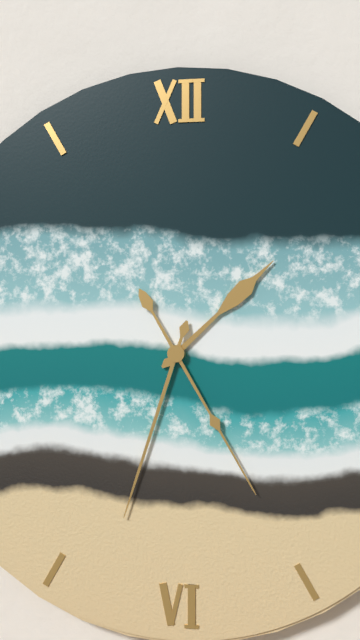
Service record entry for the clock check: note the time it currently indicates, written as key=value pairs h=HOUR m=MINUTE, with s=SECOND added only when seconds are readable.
h=1 m=33 s=25
